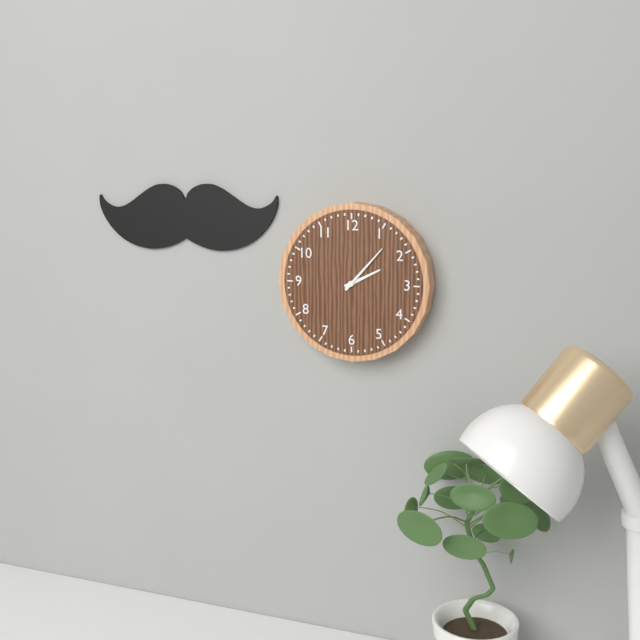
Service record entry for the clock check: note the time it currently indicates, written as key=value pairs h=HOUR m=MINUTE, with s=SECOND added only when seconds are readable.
h=2 m=7
